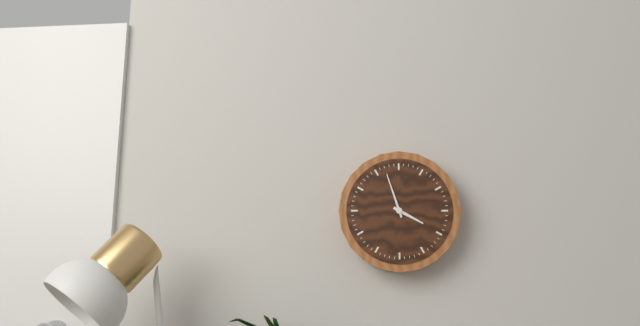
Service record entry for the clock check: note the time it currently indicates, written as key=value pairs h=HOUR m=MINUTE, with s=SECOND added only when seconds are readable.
h=3 m=57
